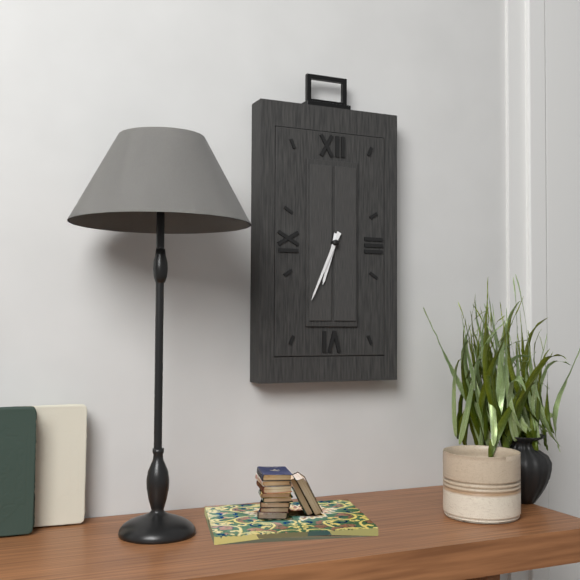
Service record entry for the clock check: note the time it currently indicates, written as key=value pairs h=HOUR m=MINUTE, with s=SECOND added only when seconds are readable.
h=6 m=34
